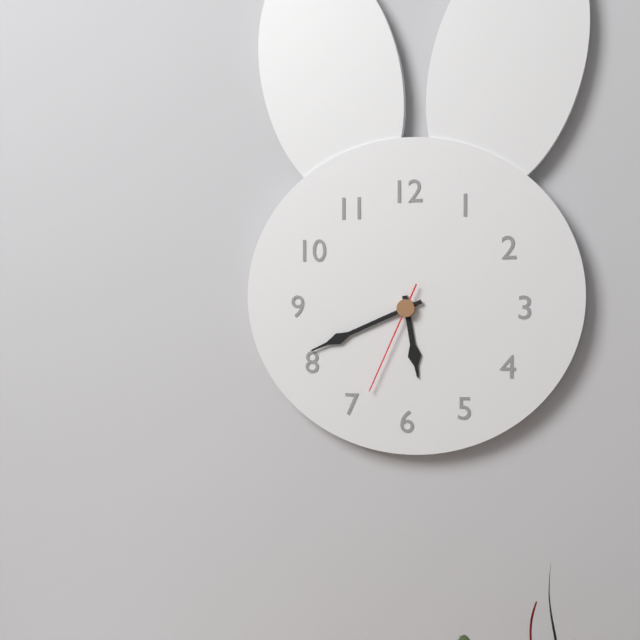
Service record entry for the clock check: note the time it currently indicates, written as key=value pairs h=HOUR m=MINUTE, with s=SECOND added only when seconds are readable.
h=5 m=41 s=34
